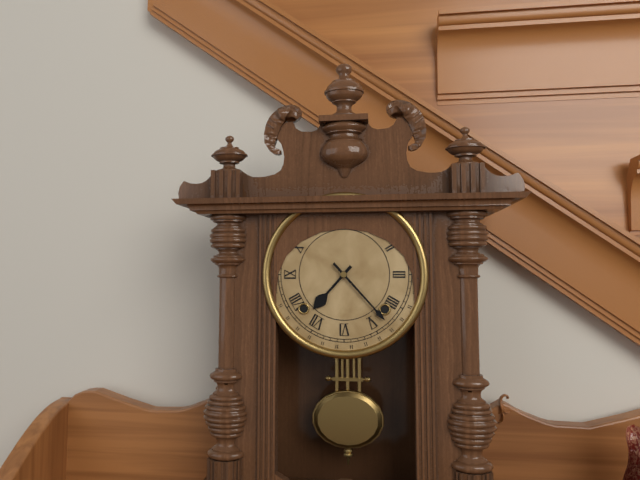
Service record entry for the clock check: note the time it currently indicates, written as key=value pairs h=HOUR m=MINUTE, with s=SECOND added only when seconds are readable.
h=7 m=23
